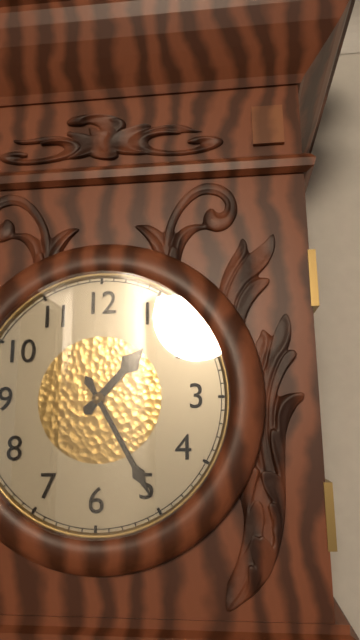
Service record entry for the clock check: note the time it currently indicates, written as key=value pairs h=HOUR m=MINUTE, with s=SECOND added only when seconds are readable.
h=1 m=25
